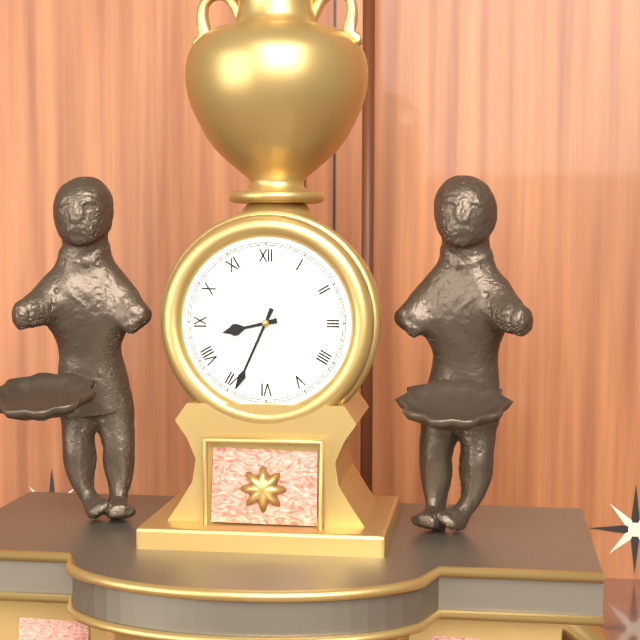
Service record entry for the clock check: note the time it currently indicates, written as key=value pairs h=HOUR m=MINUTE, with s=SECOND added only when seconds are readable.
h=8 m=34
